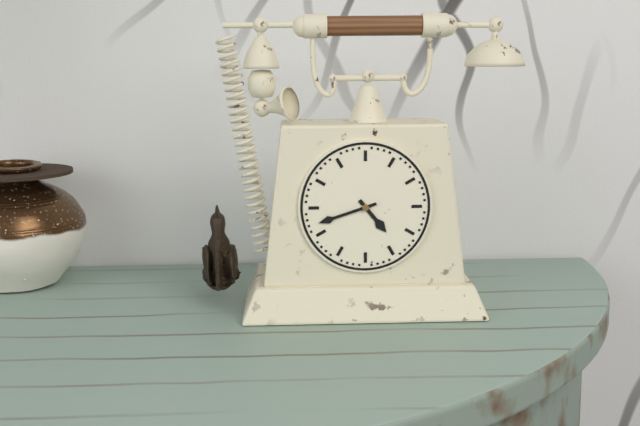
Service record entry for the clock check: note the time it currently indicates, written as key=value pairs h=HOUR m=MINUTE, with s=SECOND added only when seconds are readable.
h=4 m=42
